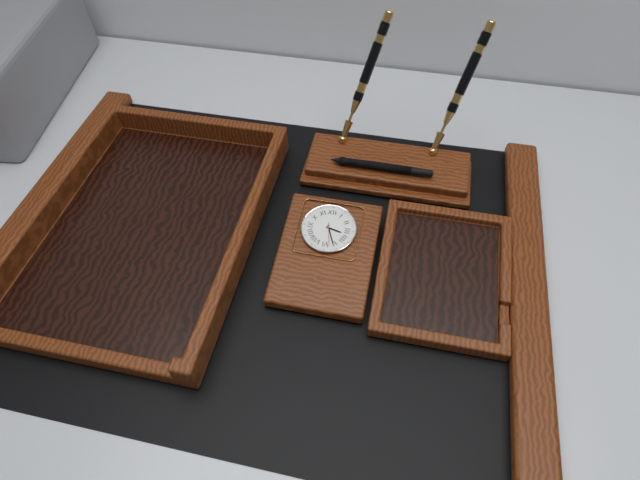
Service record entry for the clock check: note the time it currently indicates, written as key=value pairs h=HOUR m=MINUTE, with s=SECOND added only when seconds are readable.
h=3 m=26
